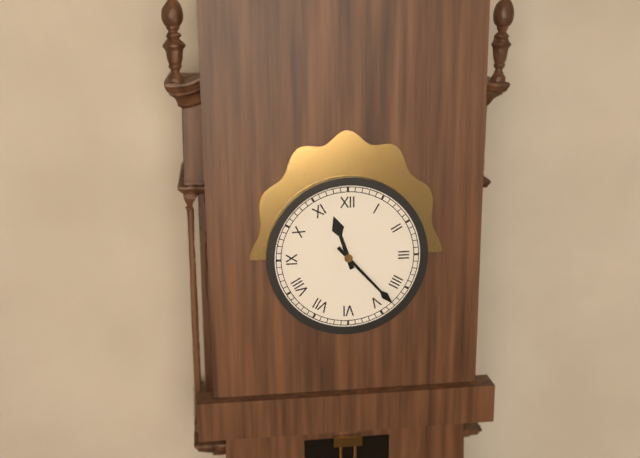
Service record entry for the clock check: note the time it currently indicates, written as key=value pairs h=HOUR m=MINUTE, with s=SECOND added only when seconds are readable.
h=11 m=23
